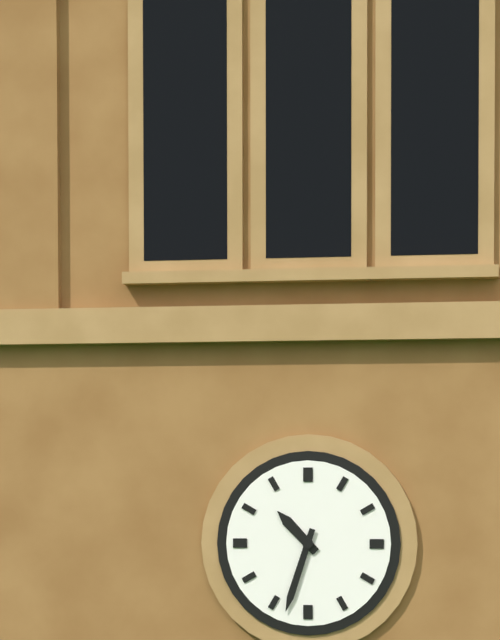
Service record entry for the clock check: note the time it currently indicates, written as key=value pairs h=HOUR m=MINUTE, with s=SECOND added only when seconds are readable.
h=10 m=33
